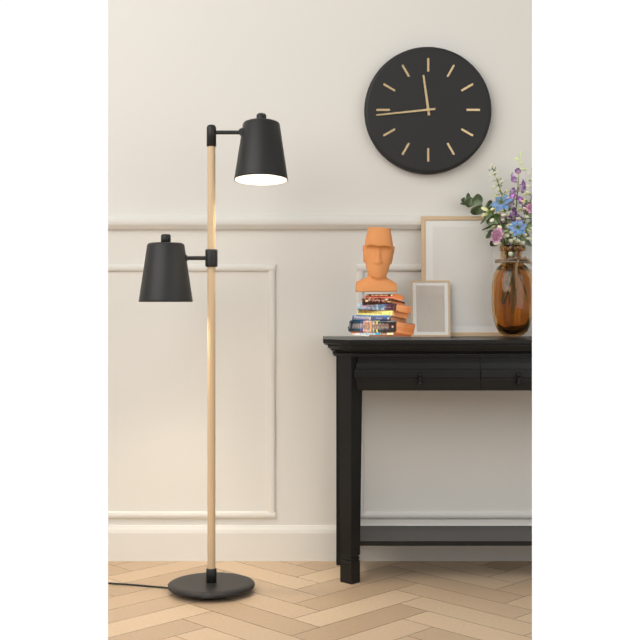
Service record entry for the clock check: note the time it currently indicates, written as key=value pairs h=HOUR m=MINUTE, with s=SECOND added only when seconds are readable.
h=11 m=44
